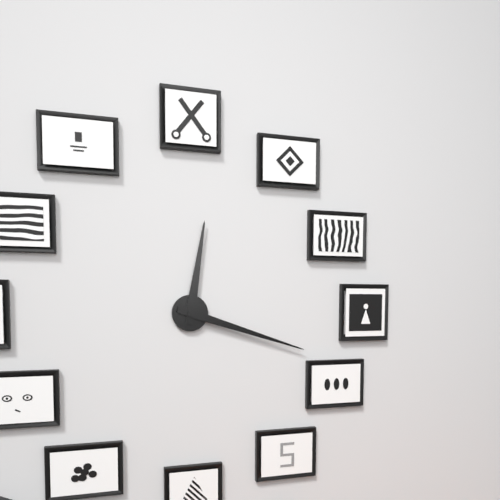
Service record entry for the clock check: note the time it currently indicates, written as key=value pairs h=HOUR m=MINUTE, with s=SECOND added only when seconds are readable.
h=12 m=18
